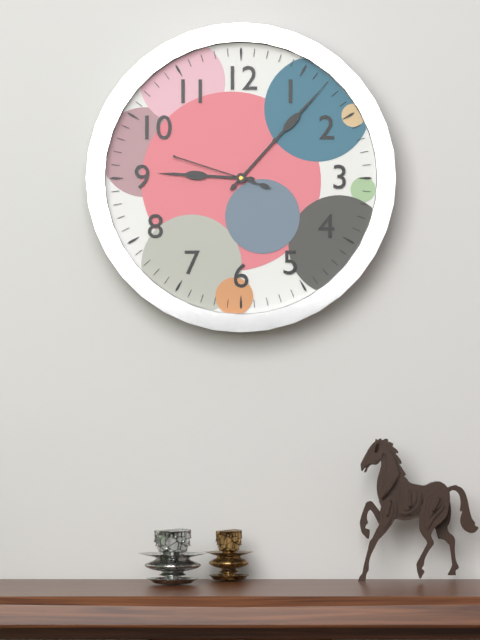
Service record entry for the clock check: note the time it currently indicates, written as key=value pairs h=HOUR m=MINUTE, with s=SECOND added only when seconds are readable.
h=9 m=7 s=48
